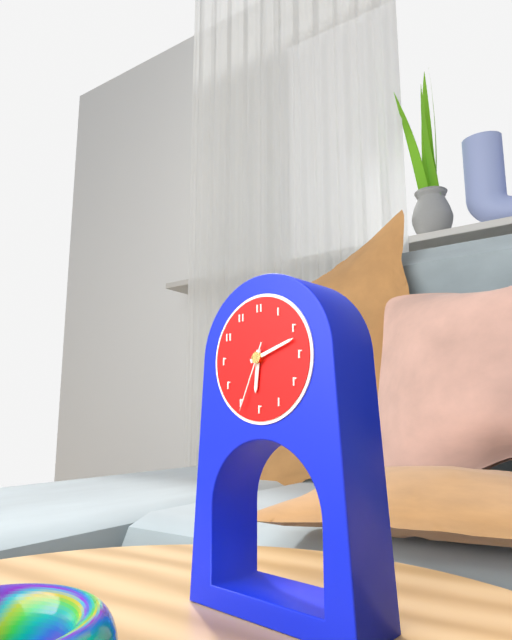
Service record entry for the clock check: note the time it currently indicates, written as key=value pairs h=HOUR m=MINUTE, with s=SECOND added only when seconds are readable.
h=6 m=12 s=34
